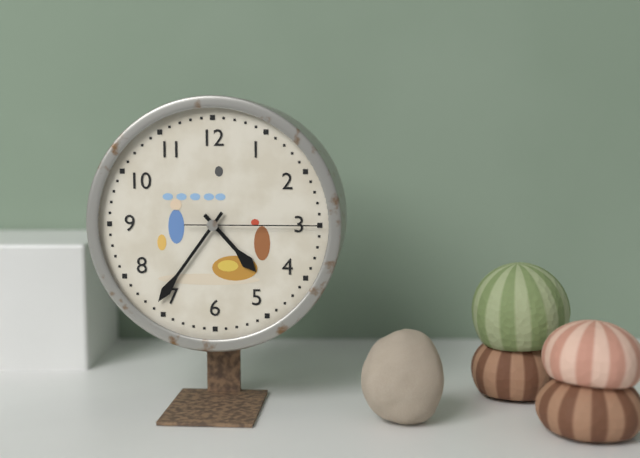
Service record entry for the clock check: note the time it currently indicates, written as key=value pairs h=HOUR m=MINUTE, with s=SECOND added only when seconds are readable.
h=4 m=36 s=15
